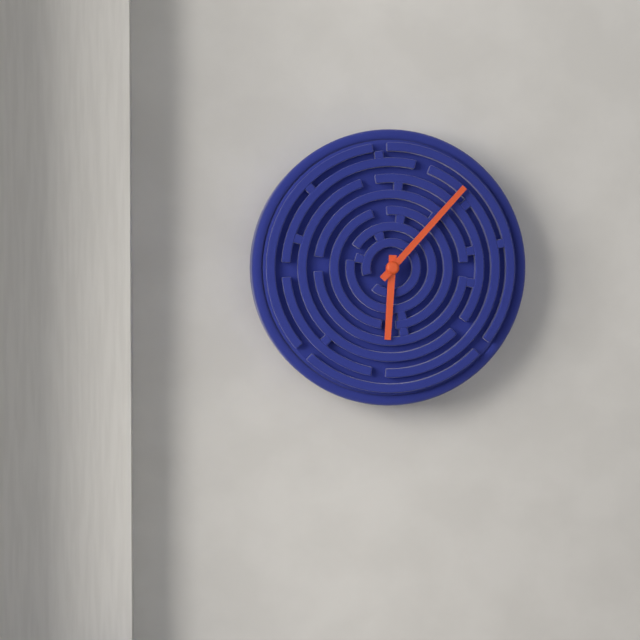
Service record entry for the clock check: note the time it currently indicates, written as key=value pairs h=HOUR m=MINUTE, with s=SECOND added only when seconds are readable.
h=6 m=7
